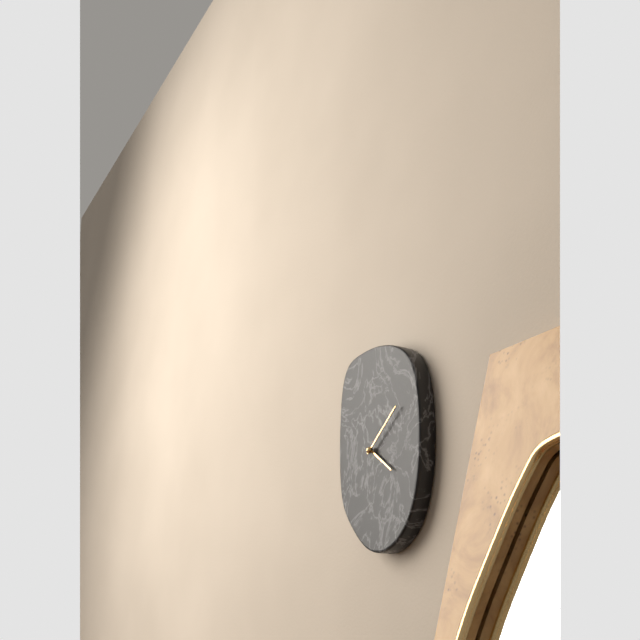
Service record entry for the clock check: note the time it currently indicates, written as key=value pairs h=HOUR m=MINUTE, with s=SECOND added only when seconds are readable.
h=4 m=9
